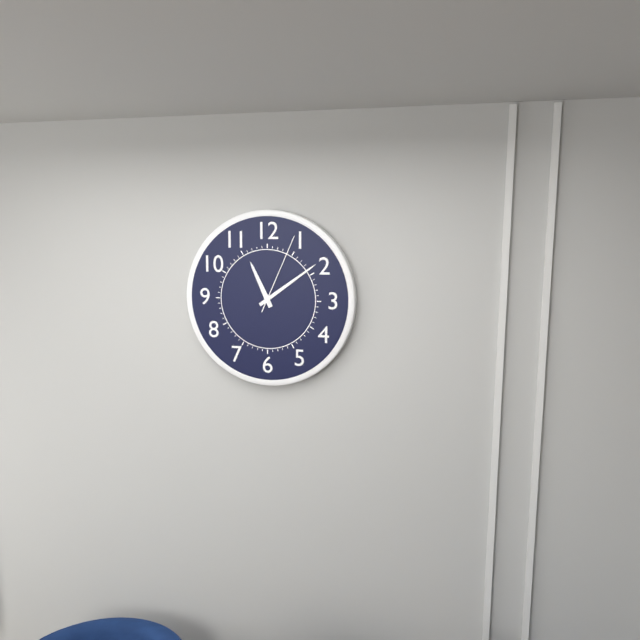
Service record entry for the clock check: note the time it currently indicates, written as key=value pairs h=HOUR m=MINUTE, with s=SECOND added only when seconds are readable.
h=11 m=9 s=4
